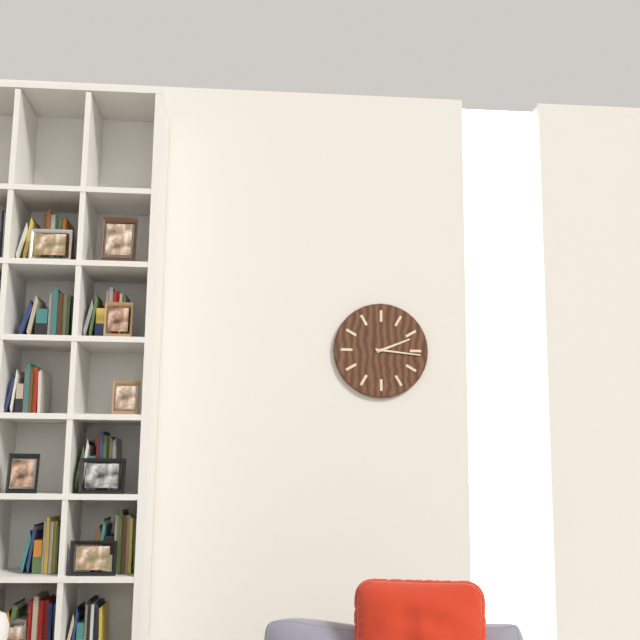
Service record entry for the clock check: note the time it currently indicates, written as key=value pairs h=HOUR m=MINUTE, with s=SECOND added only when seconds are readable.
h=2 m=16
